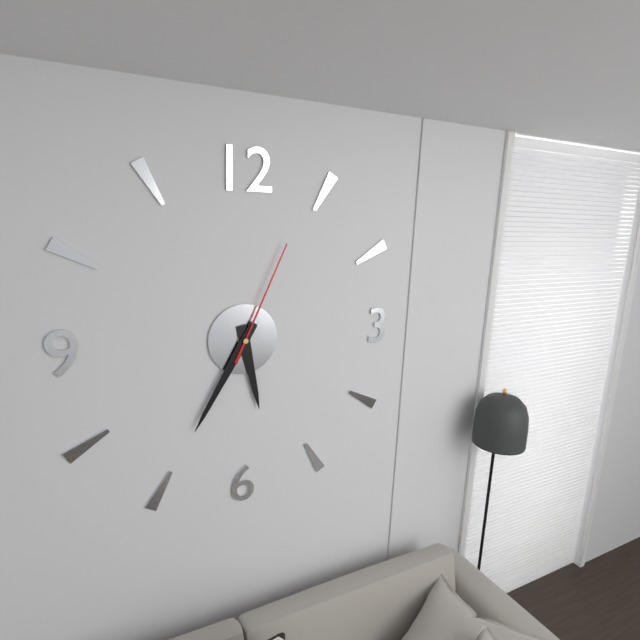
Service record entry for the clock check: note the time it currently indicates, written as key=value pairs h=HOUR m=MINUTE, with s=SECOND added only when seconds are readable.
h=5 m=35 s=4
